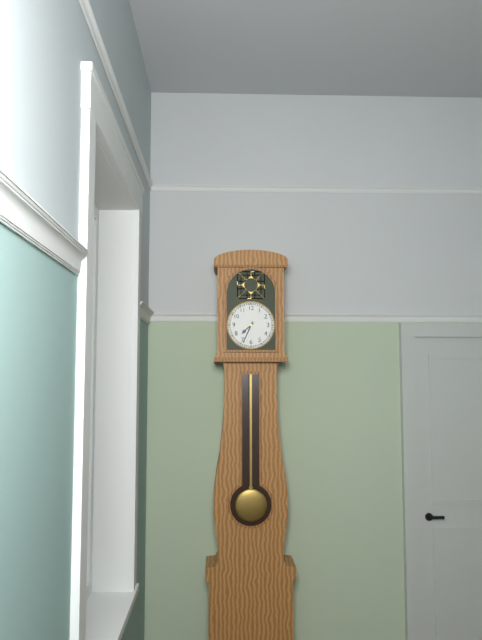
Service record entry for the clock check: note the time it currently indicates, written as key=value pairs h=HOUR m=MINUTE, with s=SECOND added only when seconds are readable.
h=7 m=34
